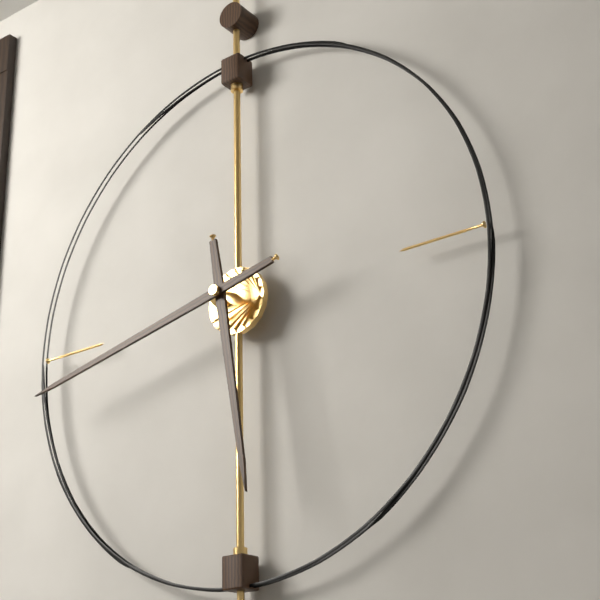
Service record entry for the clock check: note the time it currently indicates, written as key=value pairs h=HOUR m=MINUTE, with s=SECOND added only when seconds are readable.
h=5 m=43
